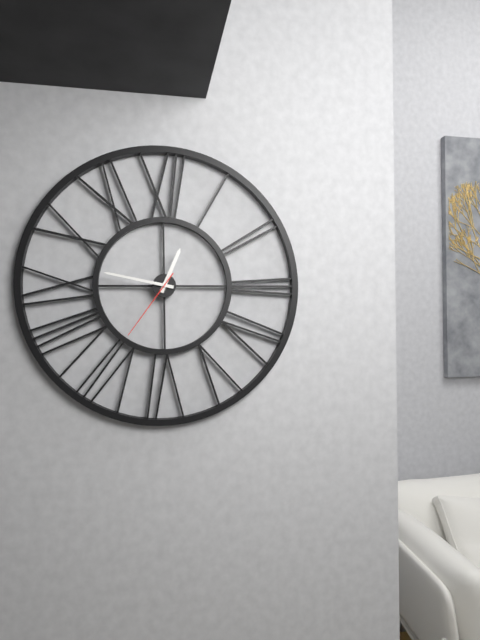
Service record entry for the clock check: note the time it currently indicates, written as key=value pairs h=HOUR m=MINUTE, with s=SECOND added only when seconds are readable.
h=12 m=47 s=36
